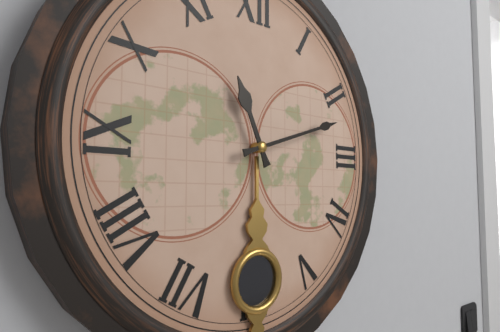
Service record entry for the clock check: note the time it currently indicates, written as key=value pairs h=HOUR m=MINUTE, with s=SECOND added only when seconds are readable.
h=11 m=12
